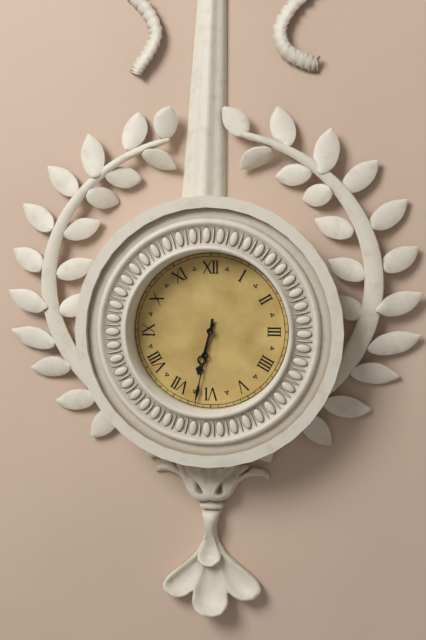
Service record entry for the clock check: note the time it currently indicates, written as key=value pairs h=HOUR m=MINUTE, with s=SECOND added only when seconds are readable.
h=6 m=32
